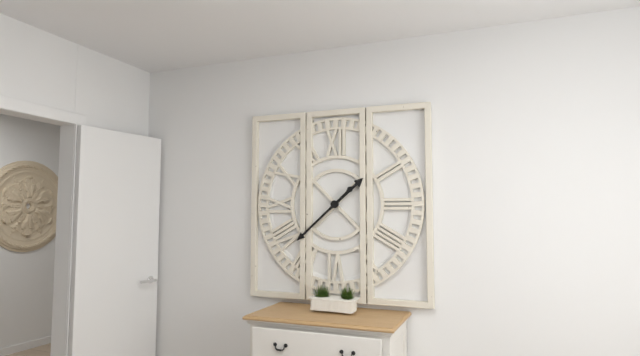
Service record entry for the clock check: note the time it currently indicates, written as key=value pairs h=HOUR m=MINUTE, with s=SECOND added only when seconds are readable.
h=1 m=38
